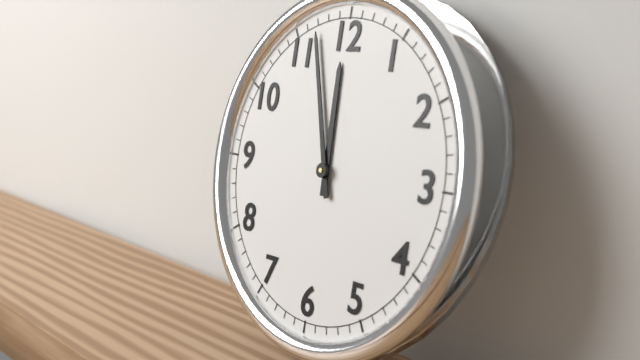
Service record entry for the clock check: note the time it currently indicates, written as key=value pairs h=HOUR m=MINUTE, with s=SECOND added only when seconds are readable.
h=11 m=57
